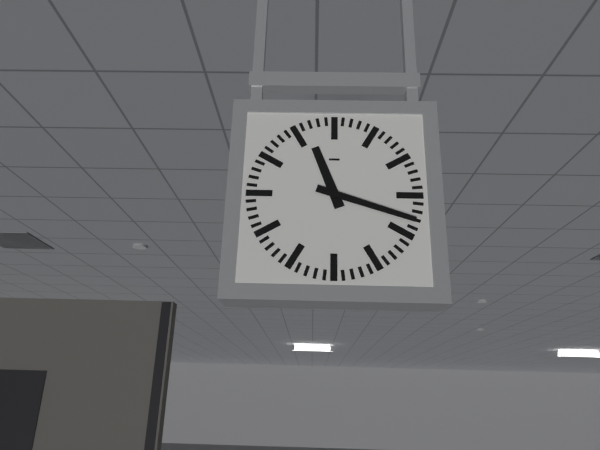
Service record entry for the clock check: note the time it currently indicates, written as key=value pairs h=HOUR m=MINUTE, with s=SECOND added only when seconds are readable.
h=11 m=18
